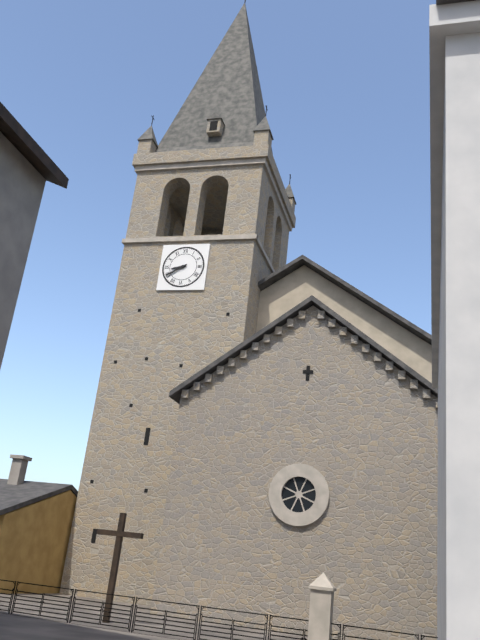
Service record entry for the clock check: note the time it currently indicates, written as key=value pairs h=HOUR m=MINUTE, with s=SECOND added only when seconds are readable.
h=8 m=40
